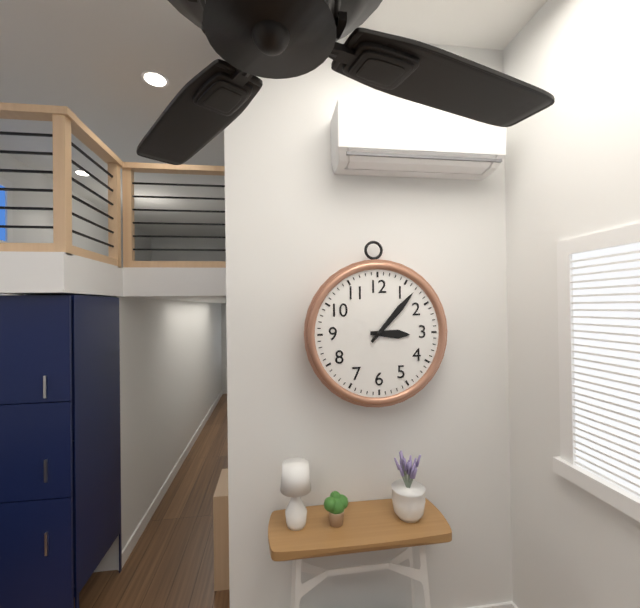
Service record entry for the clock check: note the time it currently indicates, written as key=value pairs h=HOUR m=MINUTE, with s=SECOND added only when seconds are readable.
h=3 m=7
